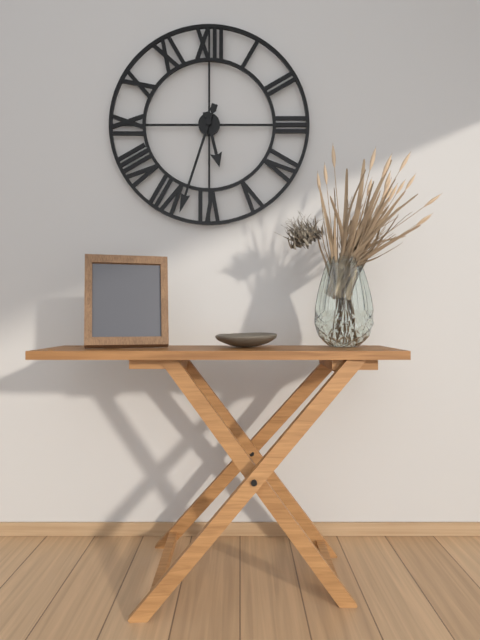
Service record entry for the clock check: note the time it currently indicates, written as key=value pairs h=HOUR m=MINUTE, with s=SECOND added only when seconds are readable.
h=5 m=33
